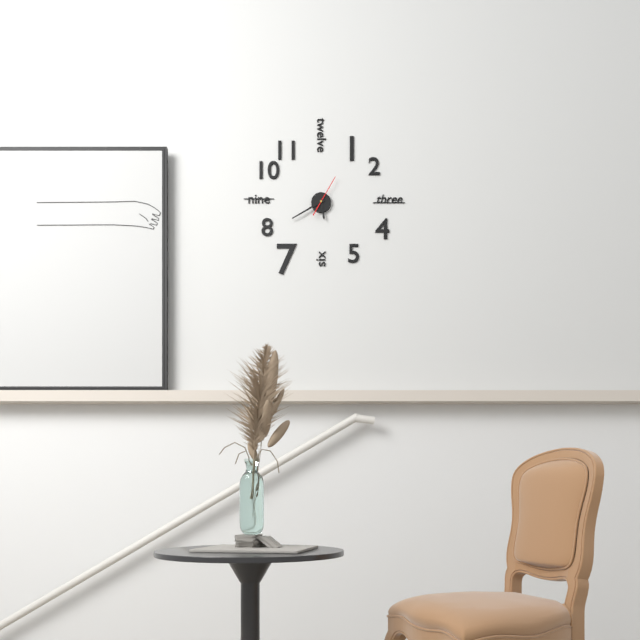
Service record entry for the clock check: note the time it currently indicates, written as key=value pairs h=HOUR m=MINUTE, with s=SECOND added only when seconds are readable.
h=5 m=40
